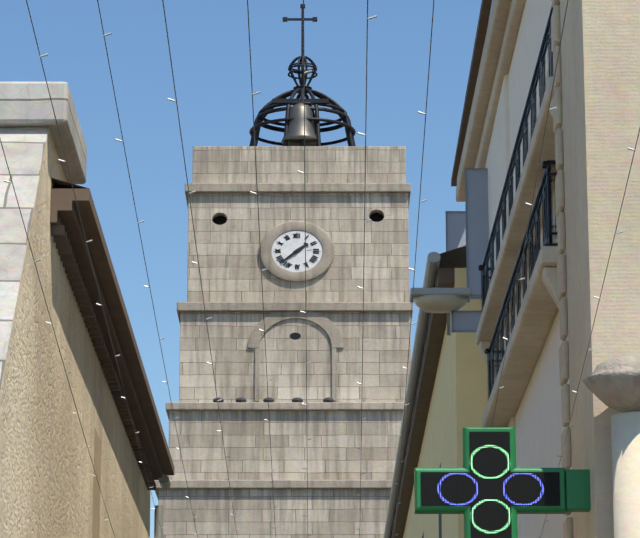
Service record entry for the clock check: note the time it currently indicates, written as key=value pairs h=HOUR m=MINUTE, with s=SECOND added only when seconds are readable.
h=1 m=38
